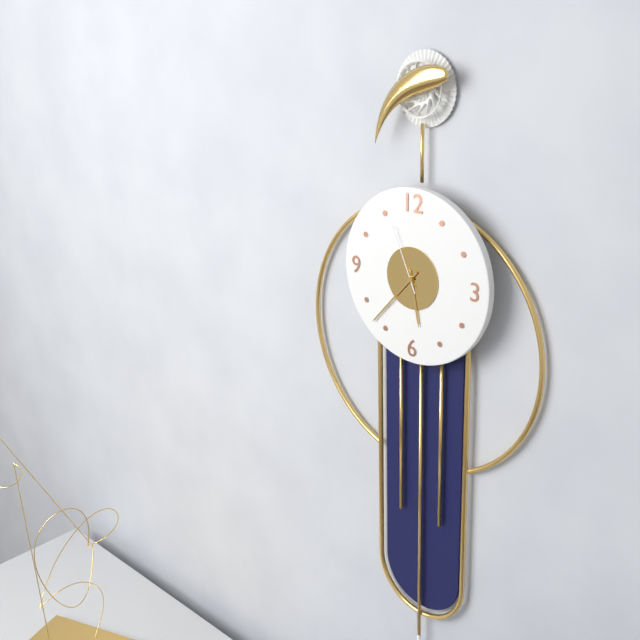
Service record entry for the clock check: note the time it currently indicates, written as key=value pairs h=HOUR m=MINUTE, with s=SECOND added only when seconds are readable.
h=5 m=37 s=56
